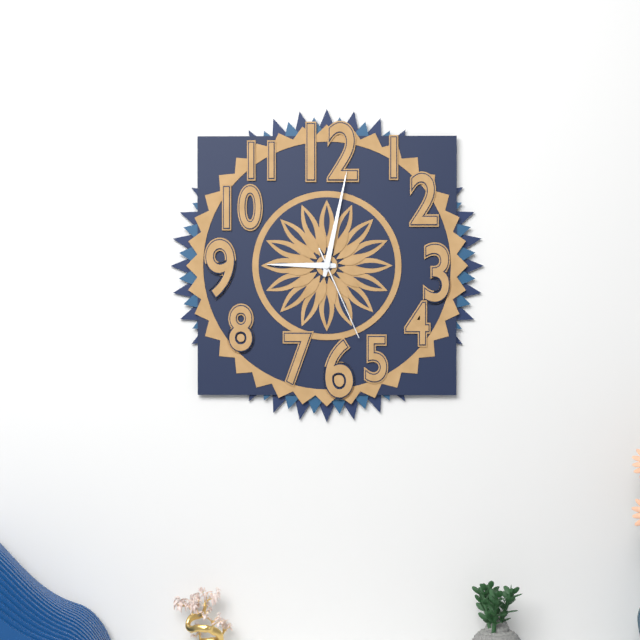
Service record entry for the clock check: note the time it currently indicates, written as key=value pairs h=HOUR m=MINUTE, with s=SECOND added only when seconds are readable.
h=9 m=2 s=26
